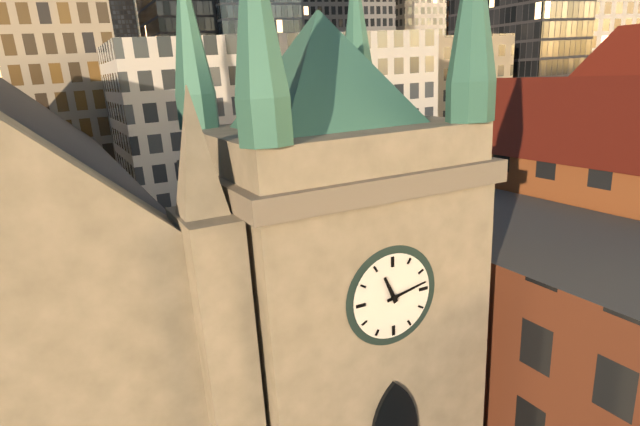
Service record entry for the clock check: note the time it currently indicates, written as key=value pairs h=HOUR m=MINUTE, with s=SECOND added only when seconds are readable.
h=11 m=13
